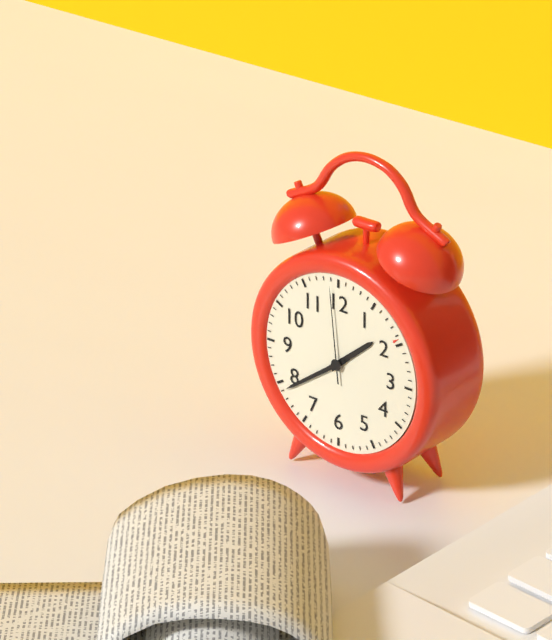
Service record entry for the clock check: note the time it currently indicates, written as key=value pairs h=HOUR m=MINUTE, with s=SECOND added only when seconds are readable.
h=1 m=39 s=59
